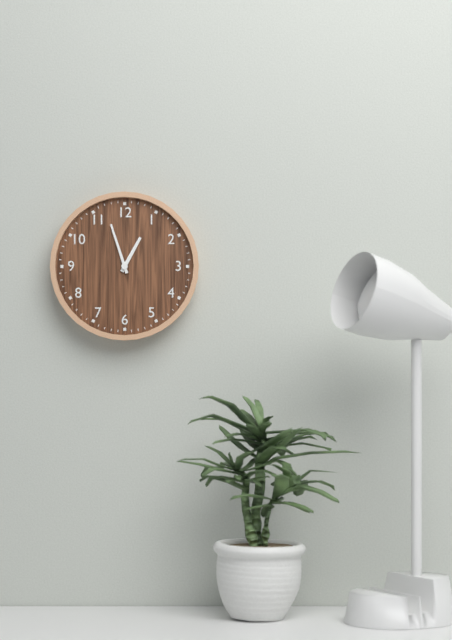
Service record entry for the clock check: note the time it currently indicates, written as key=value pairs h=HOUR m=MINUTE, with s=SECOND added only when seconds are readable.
h=12 m=57
